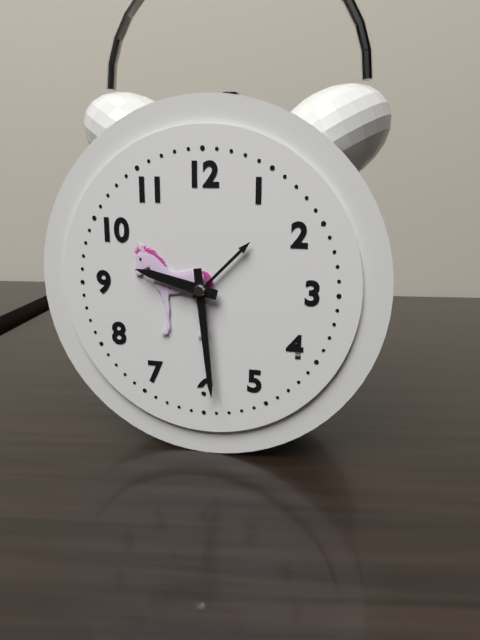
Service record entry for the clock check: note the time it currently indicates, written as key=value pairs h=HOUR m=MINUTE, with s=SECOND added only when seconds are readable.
h=9 m=29
